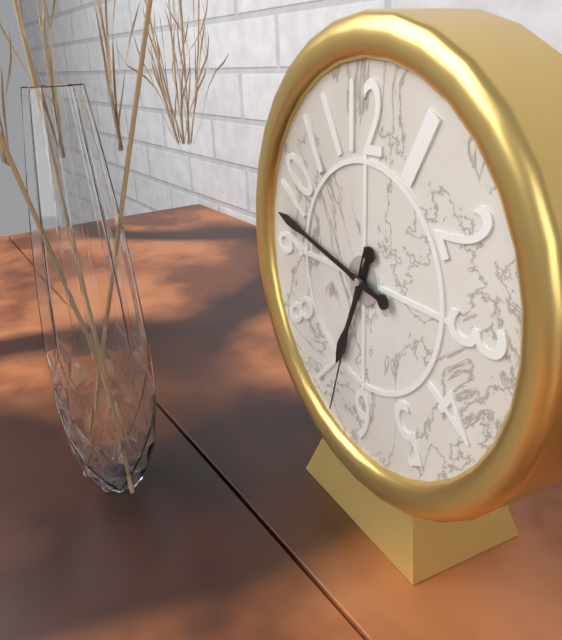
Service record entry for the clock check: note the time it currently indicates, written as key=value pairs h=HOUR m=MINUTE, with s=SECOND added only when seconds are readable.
h=6 m=47 s=33
